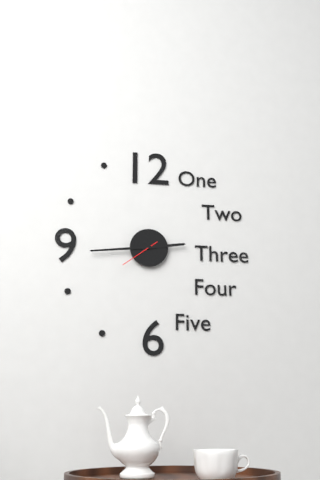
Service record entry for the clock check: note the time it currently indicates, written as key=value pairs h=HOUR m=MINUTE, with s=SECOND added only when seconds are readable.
h=2 m=44
